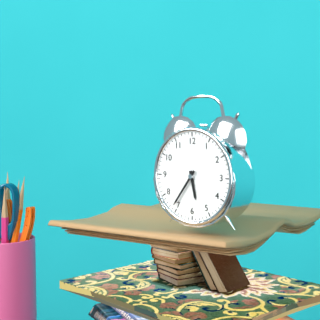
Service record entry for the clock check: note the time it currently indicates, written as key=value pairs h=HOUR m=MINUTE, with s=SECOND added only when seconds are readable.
h=5 m=36
